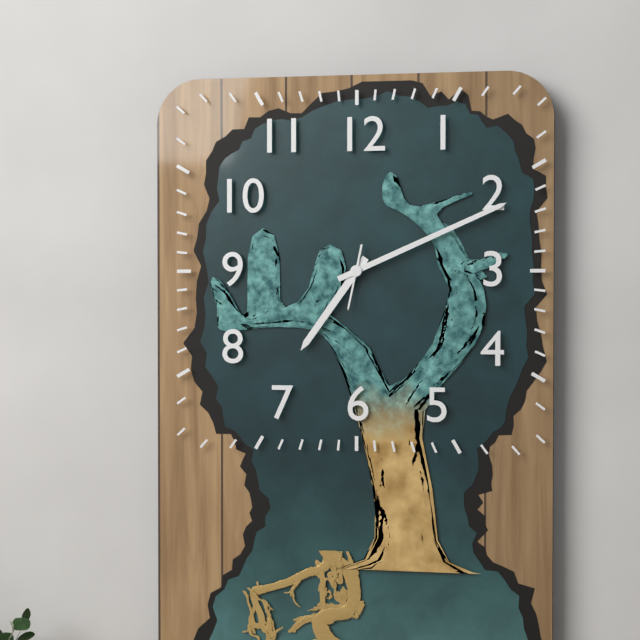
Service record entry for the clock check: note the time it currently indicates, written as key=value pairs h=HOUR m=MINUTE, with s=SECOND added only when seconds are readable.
h=7 m=11 s=32
